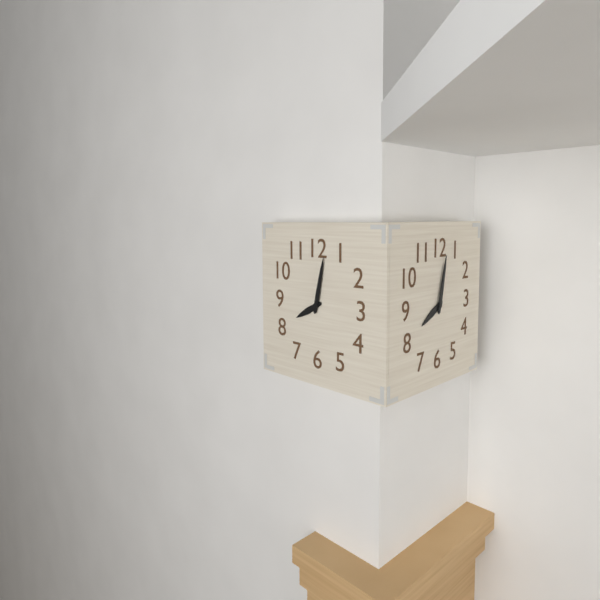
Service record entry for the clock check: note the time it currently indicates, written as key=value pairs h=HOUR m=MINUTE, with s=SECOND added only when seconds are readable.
h=8 m=2
